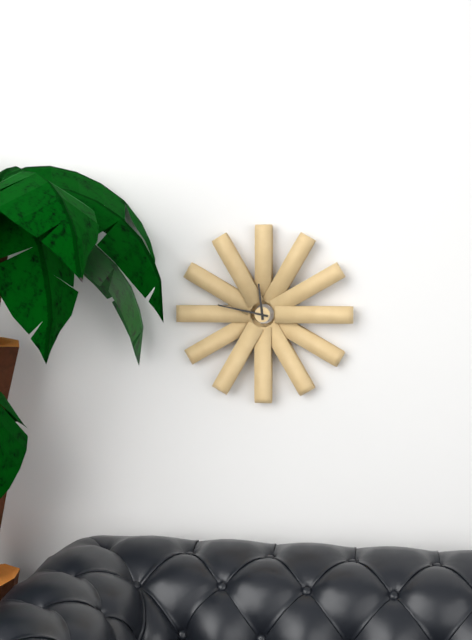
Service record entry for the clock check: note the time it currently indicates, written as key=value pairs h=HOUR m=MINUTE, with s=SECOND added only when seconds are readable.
h=11 m=47
